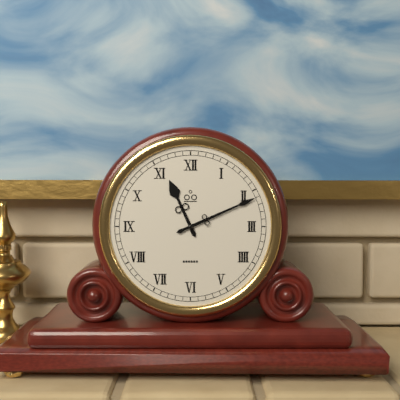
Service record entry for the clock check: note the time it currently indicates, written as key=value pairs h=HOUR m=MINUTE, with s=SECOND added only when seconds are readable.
h=11 m=11
